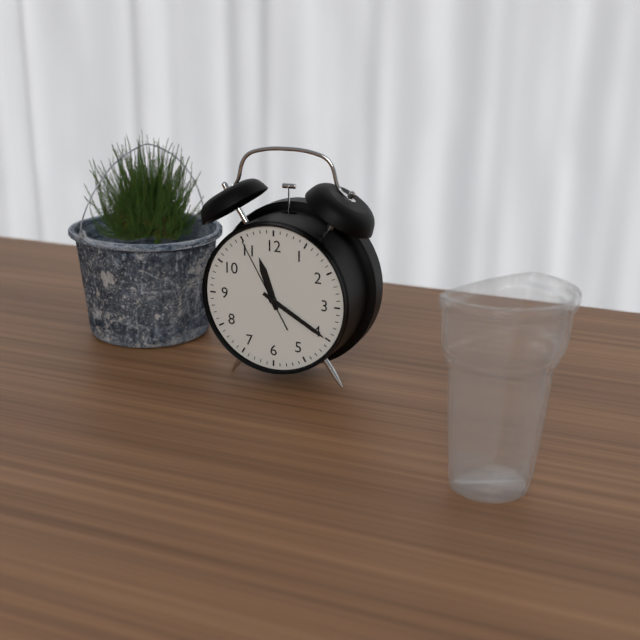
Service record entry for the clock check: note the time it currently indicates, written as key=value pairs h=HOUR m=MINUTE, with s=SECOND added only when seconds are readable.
h=11 m=20 s=55
